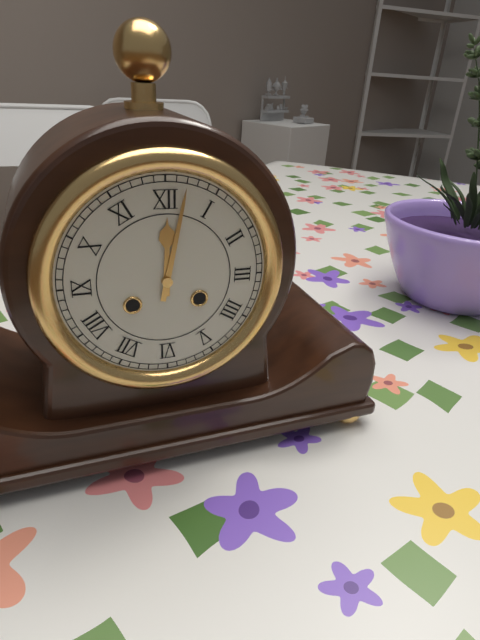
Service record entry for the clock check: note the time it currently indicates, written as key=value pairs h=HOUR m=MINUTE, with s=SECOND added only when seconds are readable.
h=12 m=2
